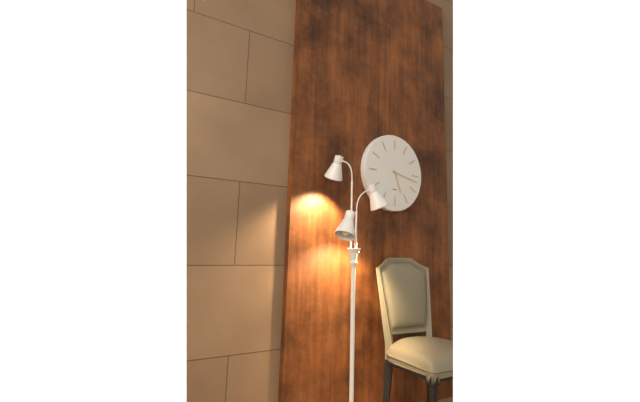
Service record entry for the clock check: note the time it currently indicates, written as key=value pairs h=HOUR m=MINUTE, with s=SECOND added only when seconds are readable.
h=5 m=17
